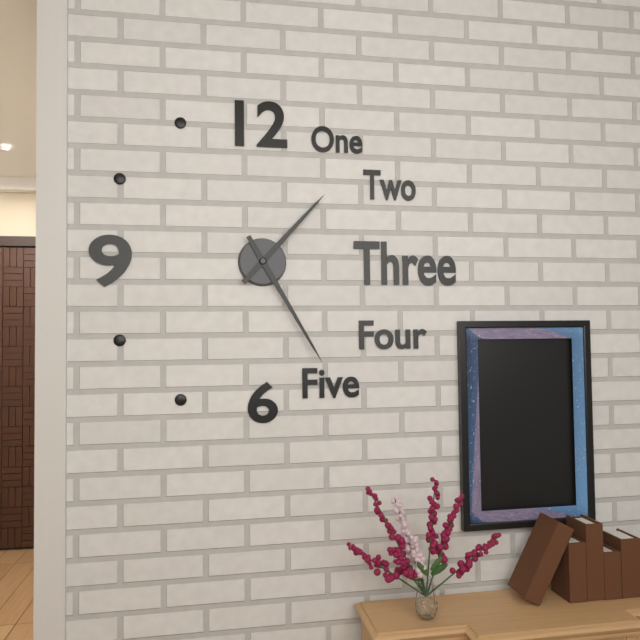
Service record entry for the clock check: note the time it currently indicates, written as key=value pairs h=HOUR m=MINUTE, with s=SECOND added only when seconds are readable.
h=1 m=25
